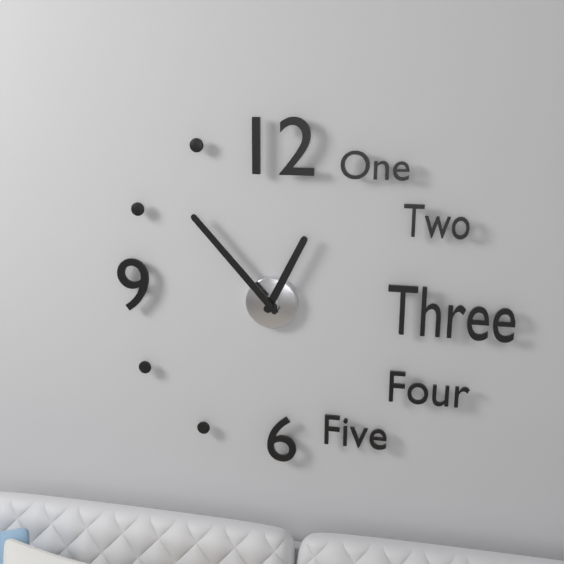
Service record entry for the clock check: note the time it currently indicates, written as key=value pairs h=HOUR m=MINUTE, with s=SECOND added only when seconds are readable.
h=12 m=53
